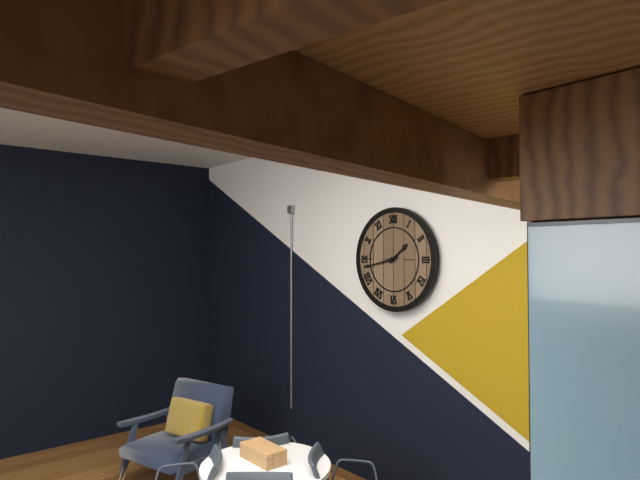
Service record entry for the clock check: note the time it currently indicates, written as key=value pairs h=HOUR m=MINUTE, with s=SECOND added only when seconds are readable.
h=1 m=43
